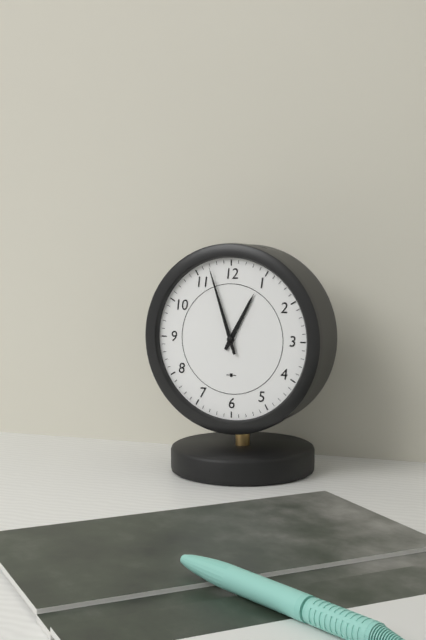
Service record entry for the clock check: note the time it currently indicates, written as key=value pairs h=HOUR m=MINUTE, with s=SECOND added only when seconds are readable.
h=12 m=57
